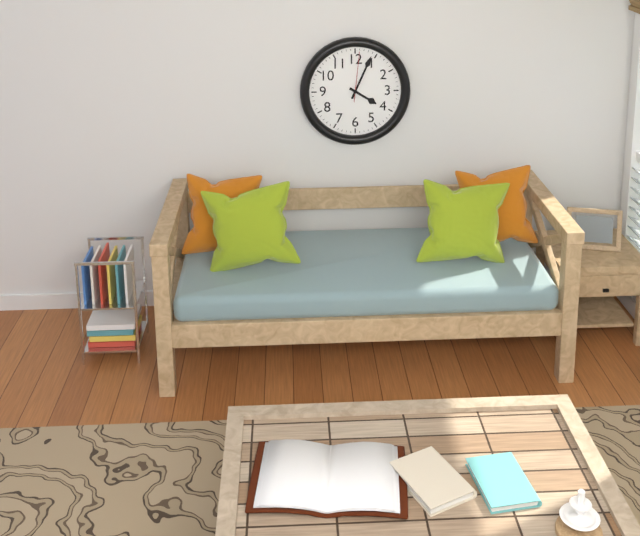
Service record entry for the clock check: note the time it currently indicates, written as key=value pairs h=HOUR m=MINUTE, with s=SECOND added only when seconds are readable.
h=4 m=4 s=1
